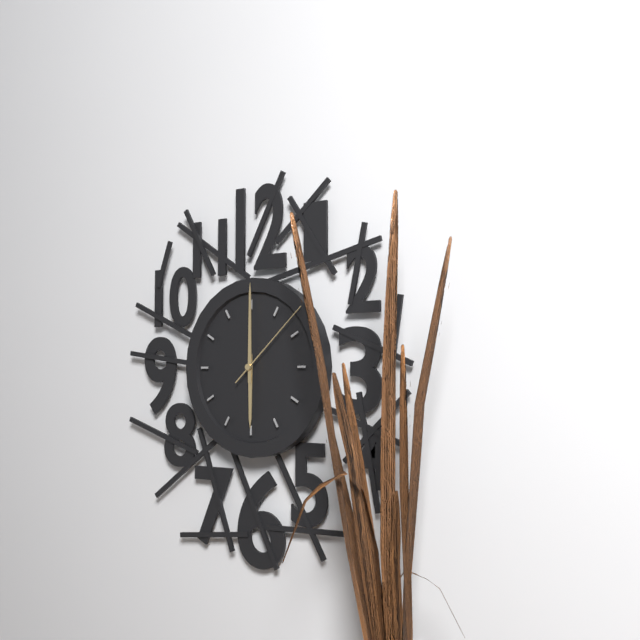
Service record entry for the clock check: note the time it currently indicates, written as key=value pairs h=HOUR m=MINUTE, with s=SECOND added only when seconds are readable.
h=6 m=0 s=8
